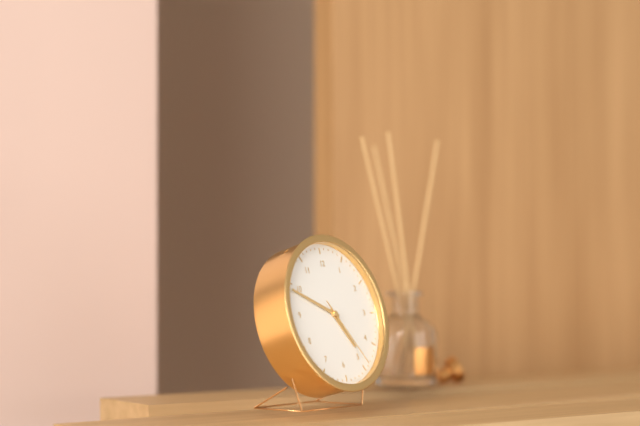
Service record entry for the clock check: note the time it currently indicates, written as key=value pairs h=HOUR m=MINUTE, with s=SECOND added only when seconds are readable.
h=4 m=49 s=24
